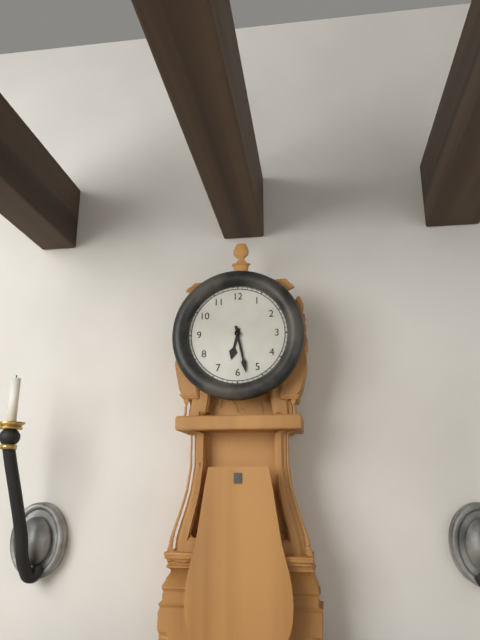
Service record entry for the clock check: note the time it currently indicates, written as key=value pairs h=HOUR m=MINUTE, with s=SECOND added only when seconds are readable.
h=6 m=28
